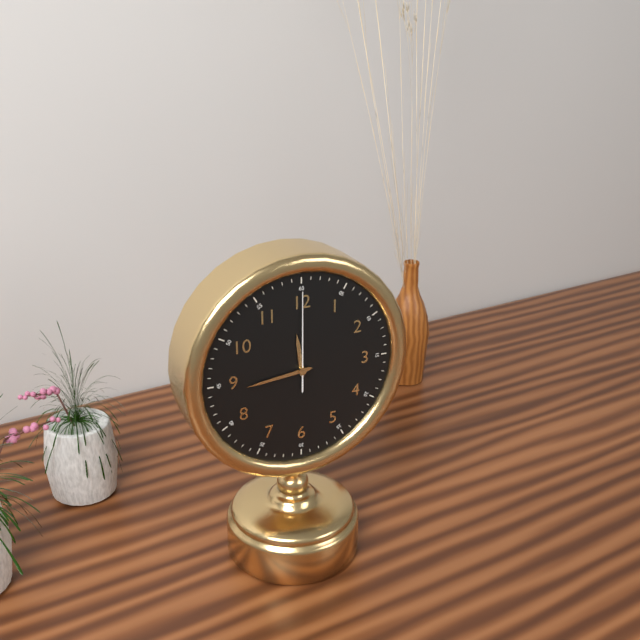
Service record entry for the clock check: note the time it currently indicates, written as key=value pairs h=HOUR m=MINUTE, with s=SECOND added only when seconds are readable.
h=11 m=44 s=0
